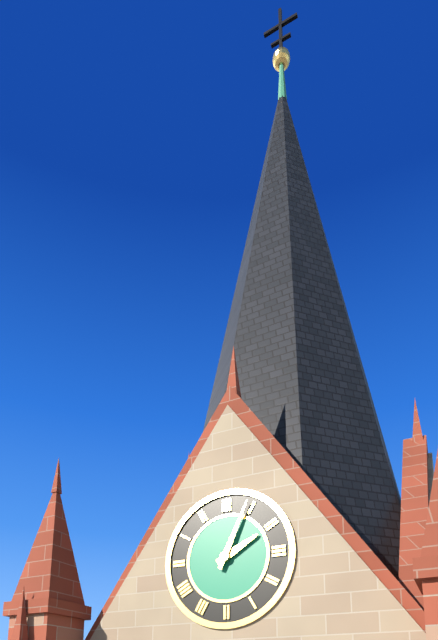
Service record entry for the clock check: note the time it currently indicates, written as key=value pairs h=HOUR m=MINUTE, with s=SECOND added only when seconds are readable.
h=2 m=4
